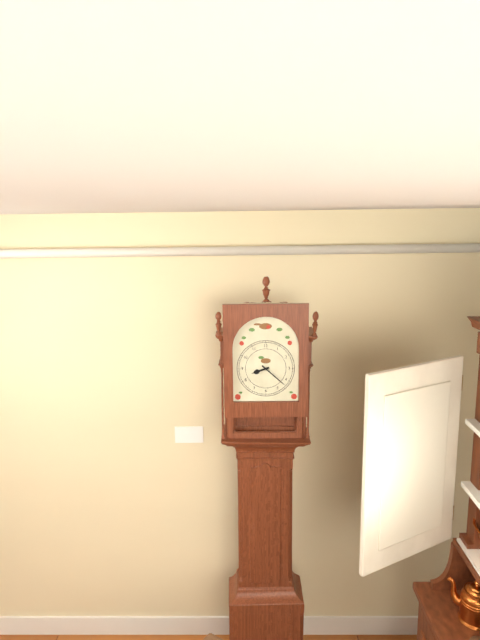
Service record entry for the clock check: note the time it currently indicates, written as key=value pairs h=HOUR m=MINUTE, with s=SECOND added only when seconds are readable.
h=8 m=22
